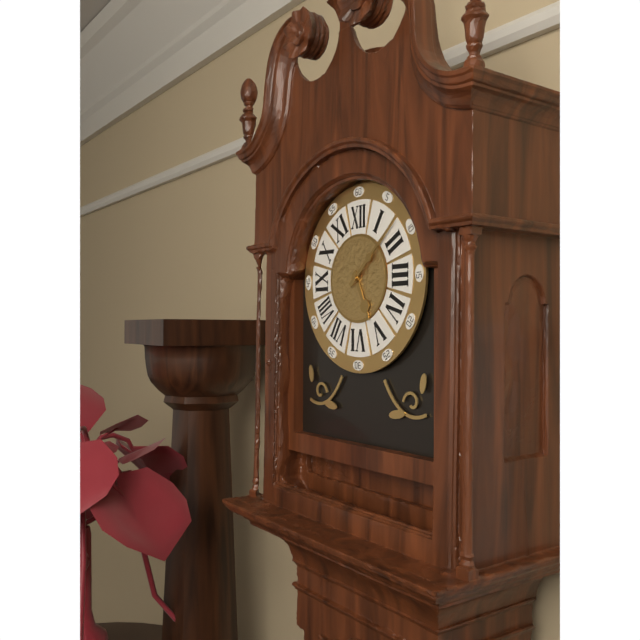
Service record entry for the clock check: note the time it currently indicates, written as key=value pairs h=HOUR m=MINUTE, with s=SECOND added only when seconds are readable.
h=5 m=8
